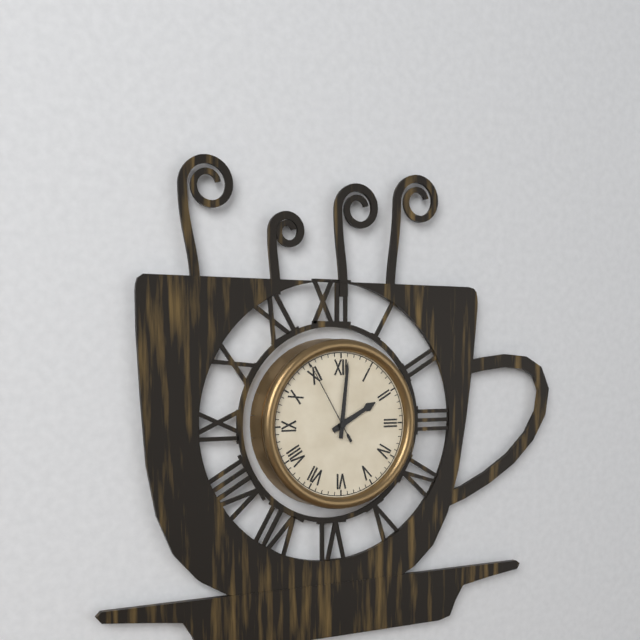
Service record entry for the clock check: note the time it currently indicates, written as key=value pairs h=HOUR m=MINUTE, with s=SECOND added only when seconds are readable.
h=2 m=1 s=55
